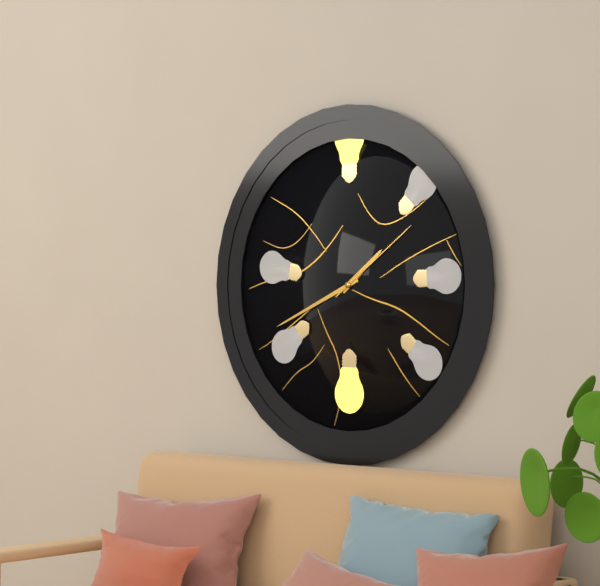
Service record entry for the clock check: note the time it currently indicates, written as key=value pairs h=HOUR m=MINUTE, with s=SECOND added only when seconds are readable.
h=1 m=41 s=9
